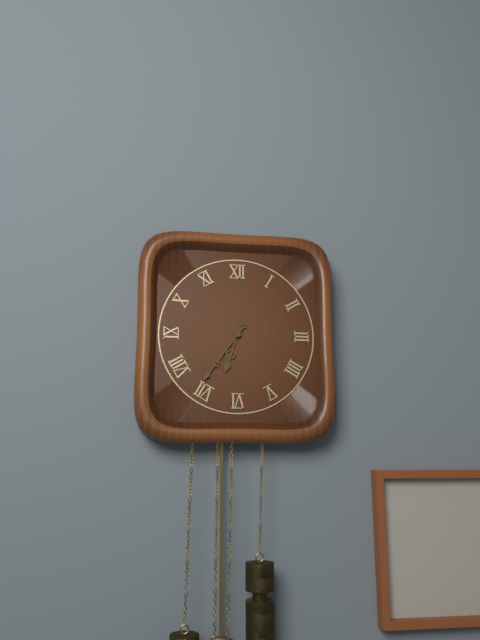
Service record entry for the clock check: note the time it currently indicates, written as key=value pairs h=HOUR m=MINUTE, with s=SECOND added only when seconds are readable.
h=6 m=36
